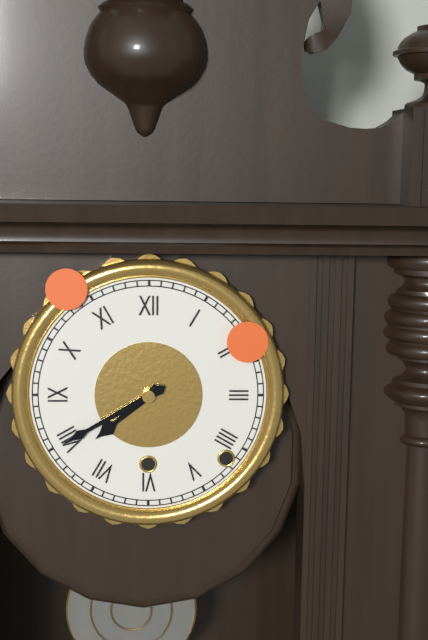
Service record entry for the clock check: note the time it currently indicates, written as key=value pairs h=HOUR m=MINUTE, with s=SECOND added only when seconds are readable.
h=7 m=40
